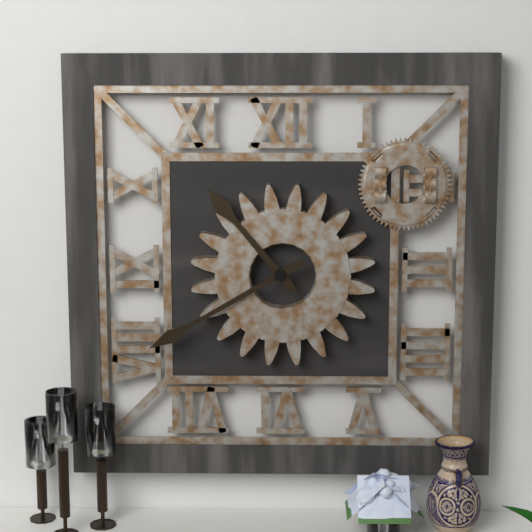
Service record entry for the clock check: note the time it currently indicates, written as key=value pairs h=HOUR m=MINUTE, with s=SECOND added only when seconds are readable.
h=10 m=40
